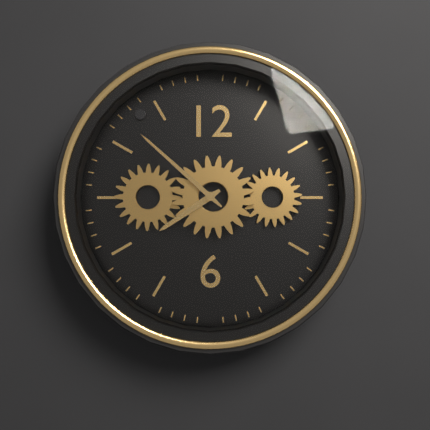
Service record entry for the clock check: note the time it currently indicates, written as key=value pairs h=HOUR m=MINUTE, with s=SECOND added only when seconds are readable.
h=7 m=52
